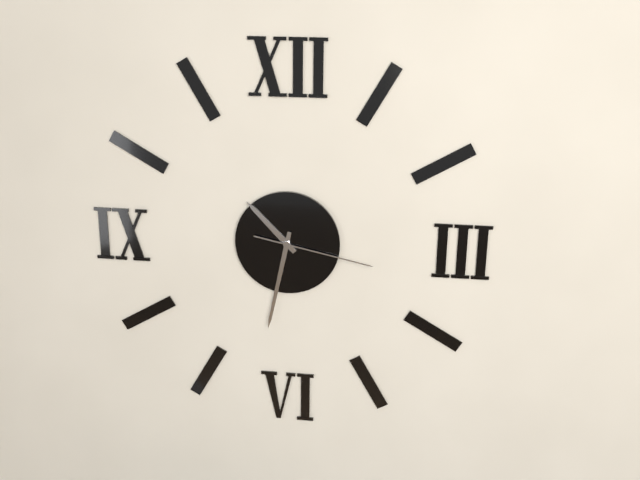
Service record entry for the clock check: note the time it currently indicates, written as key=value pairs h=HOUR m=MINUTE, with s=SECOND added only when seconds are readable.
h=10 m=32 s=17
